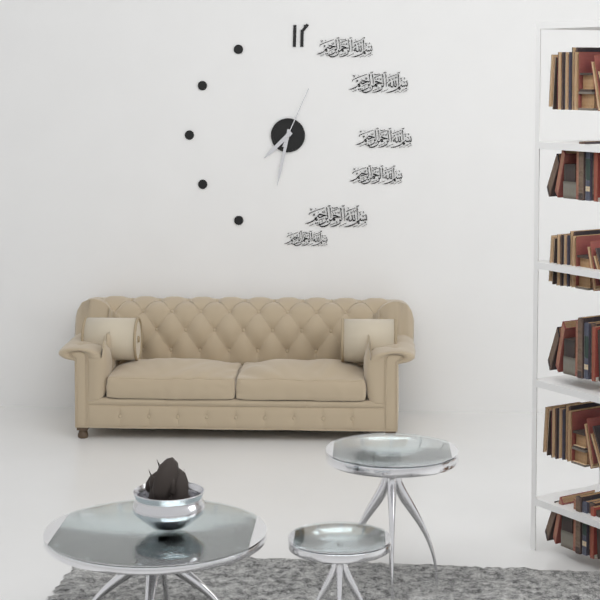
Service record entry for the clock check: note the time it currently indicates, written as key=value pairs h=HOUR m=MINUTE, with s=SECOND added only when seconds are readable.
h=7 m=32 s=4
